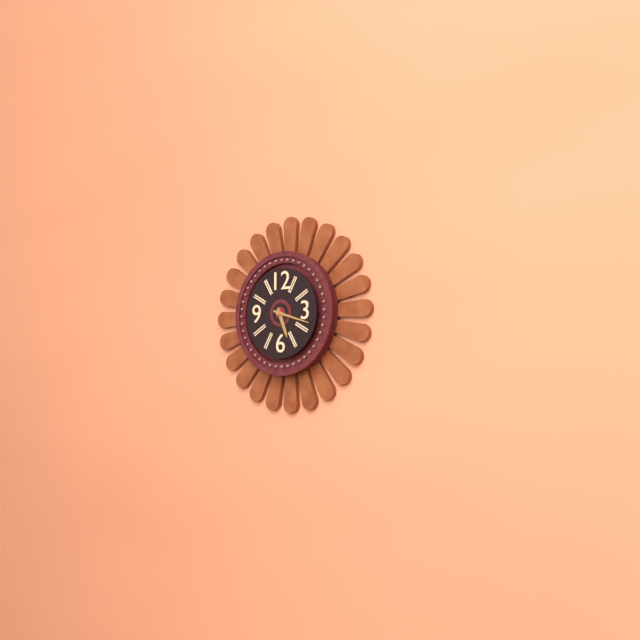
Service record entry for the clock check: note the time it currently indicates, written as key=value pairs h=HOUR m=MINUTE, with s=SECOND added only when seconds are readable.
h=5 m=18
